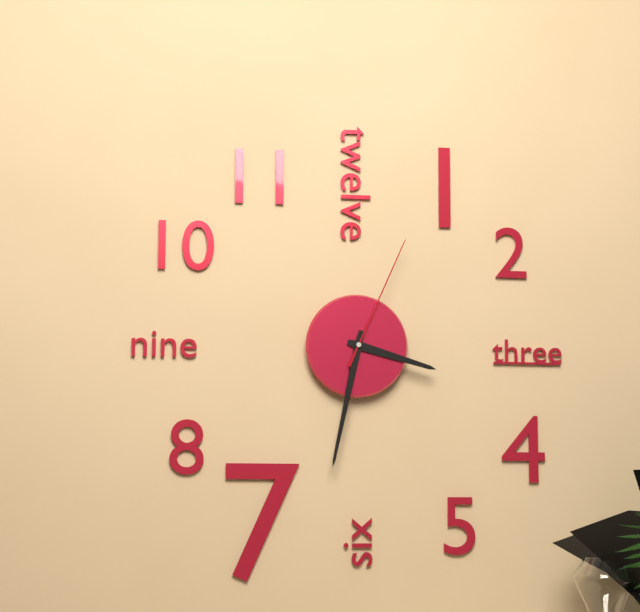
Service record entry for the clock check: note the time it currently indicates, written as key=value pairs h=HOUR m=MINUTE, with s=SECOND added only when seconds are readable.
h=3 m=32 s=4
